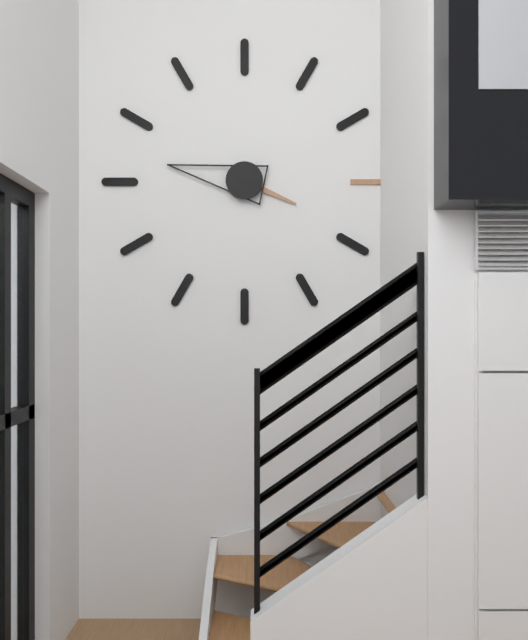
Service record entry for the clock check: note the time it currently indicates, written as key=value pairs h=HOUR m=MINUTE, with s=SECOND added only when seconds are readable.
h=3 m=47
